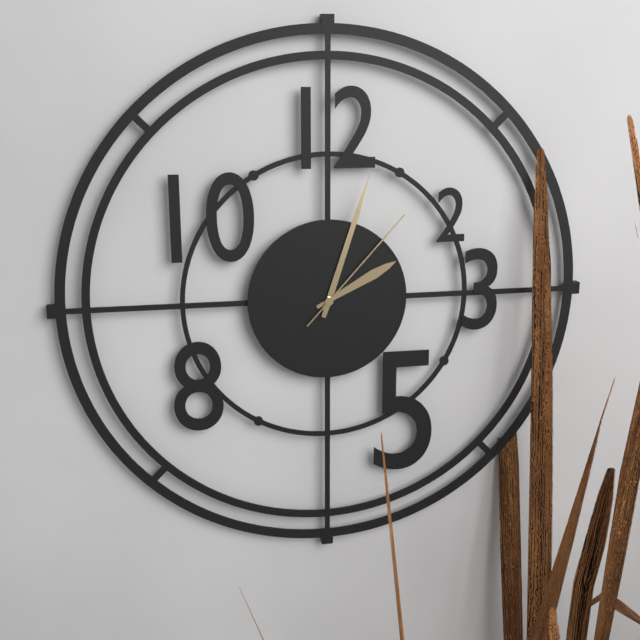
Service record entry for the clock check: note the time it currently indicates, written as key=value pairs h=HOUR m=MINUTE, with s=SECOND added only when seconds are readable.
h=2 m=3 s=7
